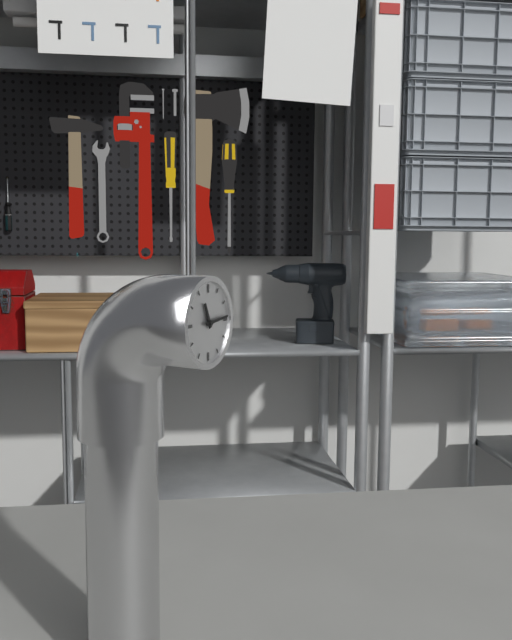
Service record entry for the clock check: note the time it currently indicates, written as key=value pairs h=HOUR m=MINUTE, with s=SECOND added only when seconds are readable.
h=11 m=14
